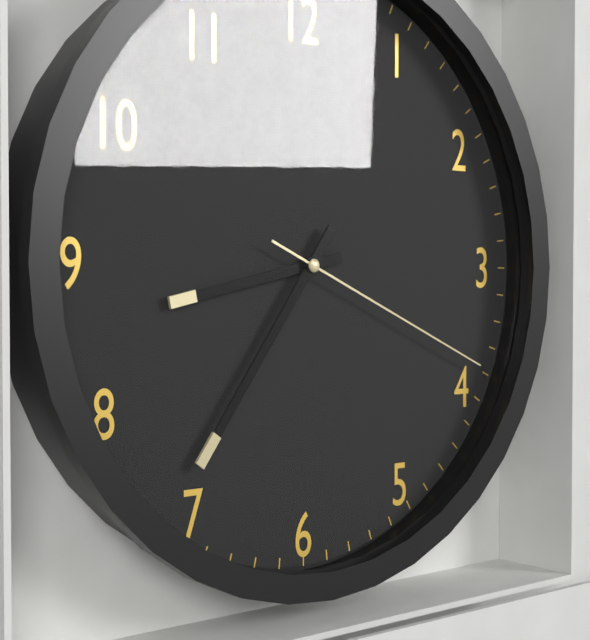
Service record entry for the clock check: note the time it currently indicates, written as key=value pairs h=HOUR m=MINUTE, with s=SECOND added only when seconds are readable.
h=8 m=36 s=19
